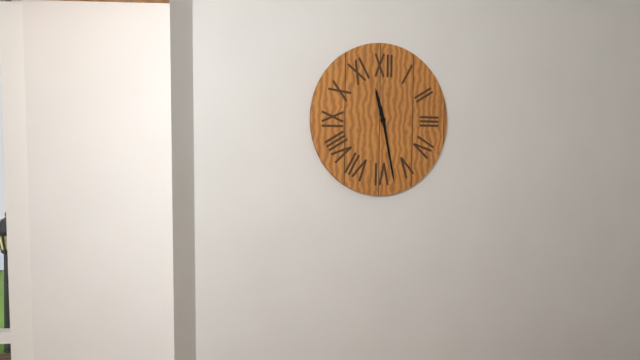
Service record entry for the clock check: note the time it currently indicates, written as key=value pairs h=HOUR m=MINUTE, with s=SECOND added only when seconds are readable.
h=11 m=28
